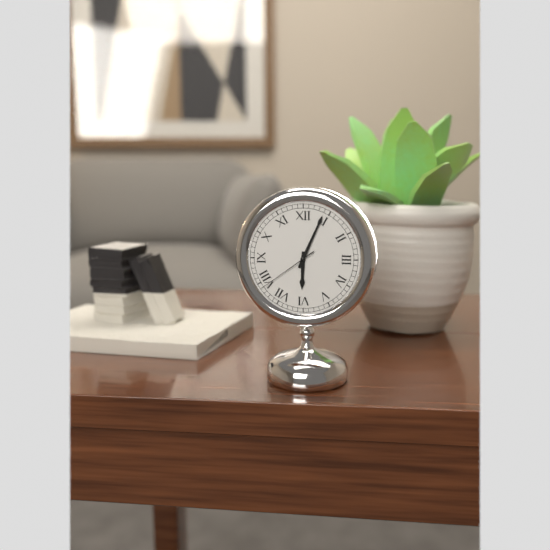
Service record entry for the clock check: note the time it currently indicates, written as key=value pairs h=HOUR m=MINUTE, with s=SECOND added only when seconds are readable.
h=6 m=4 s=39
